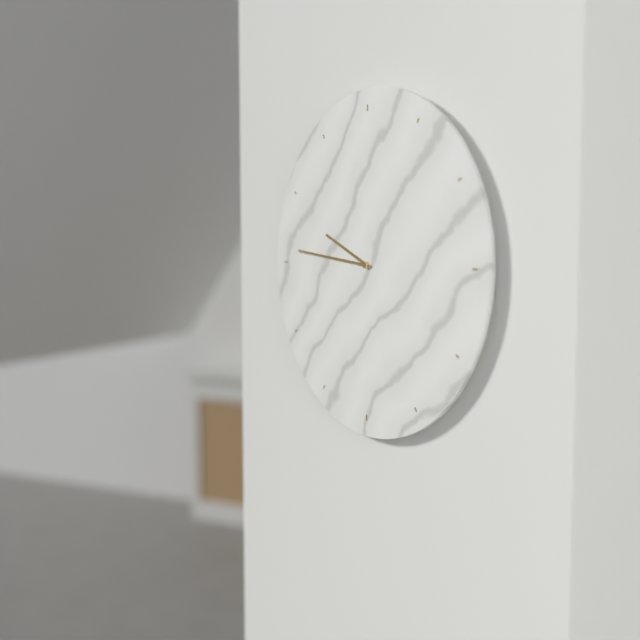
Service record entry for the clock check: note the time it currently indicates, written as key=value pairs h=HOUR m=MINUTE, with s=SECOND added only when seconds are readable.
h=9 m=46
